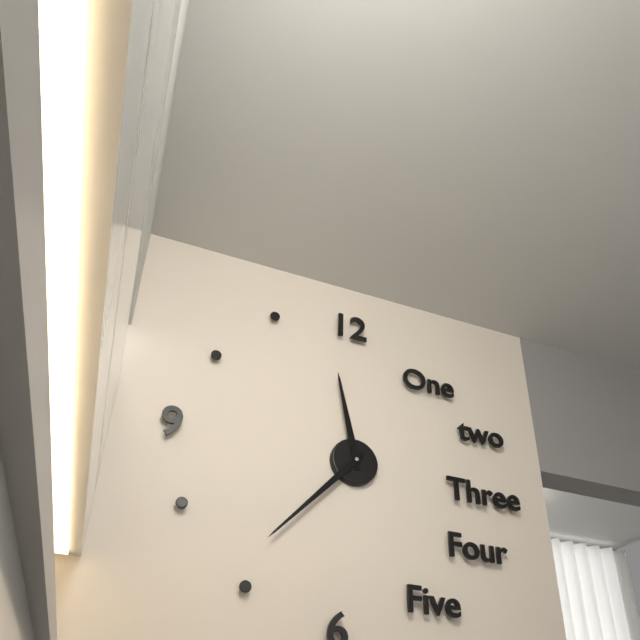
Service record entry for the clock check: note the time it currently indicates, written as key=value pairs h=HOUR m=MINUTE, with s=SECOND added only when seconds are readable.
h=11 m=37
